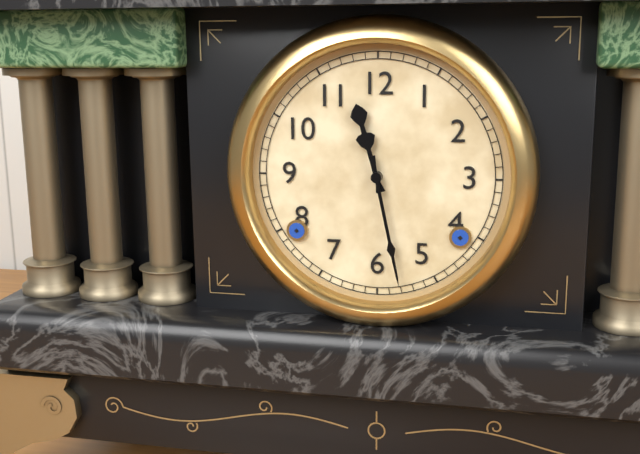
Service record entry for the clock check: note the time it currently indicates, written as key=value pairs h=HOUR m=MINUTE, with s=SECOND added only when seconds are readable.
h=11 m=28
